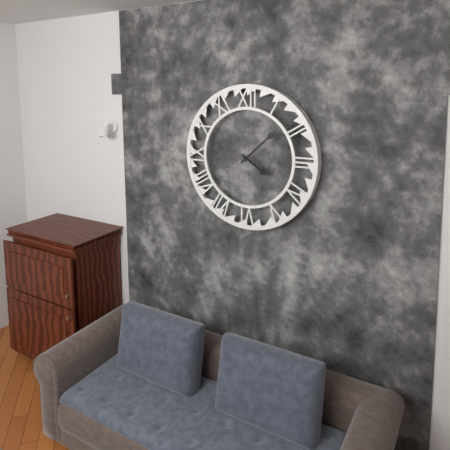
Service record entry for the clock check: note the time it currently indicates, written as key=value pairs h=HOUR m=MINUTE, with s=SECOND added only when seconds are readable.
h=4 m=8
